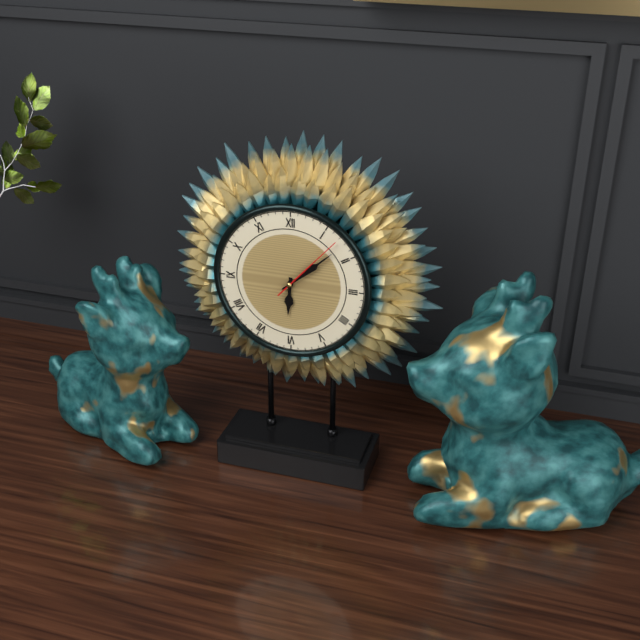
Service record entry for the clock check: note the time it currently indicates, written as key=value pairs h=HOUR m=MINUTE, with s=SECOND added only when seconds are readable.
h=6 m=8 s=7
